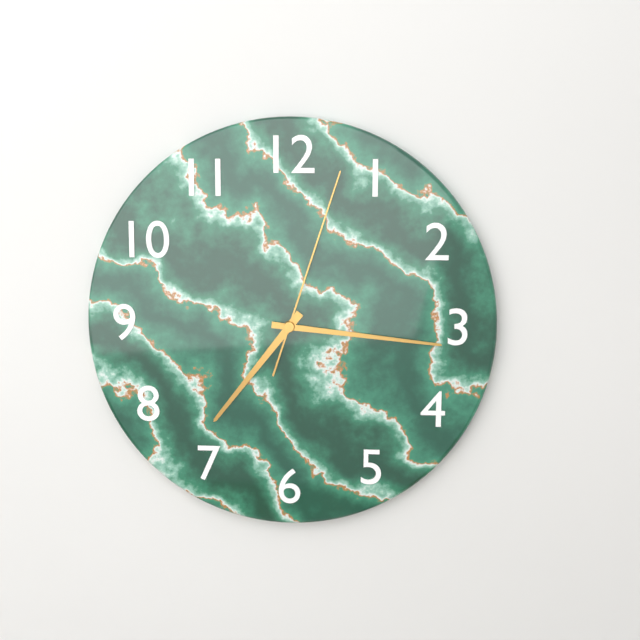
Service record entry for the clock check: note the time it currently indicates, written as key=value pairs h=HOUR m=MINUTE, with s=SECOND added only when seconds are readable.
h=7 m=16 s=3
